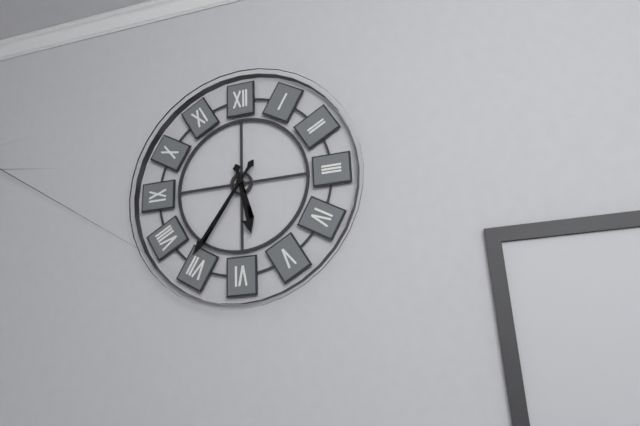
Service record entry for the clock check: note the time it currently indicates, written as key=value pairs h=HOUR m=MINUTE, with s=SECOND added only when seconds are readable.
h=5 m=36
